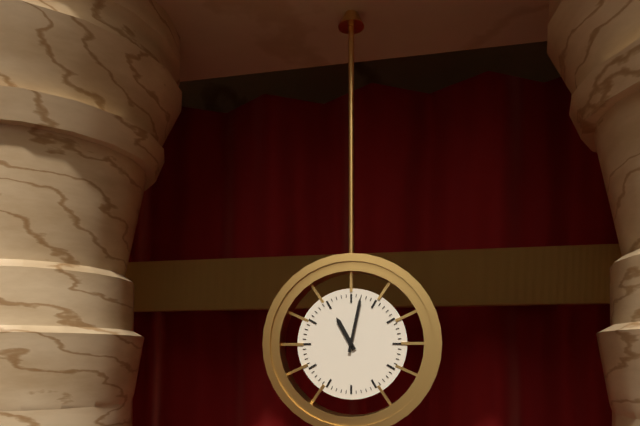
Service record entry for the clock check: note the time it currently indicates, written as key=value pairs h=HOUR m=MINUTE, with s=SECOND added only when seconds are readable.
h=11 m=2
